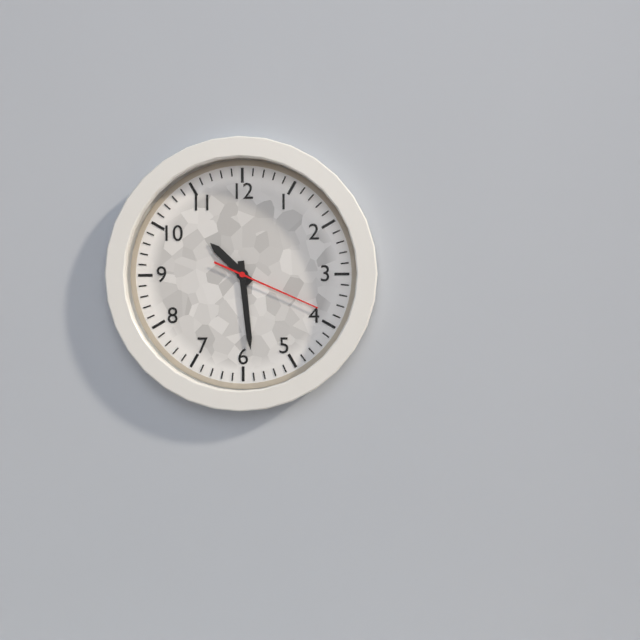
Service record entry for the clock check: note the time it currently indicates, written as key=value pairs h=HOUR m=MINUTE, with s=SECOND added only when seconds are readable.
h=10 m=29 s=19
